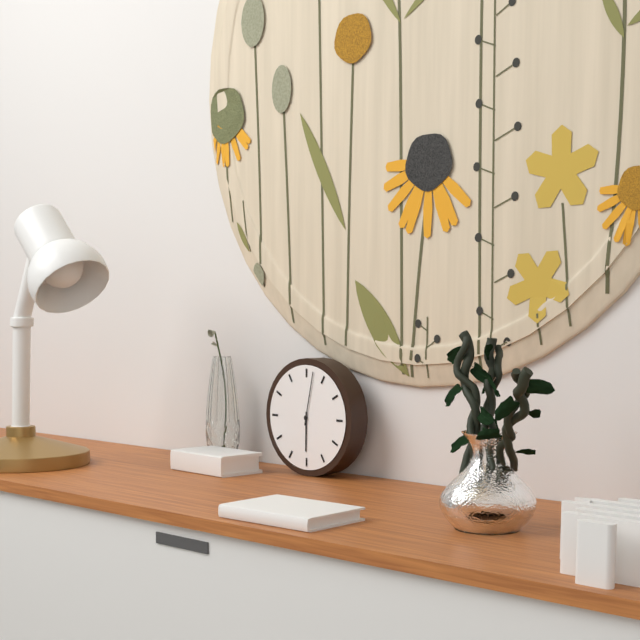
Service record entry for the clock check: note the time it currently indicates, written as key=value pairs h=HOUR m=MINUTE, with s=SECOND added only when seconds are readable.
h=6 m=2
